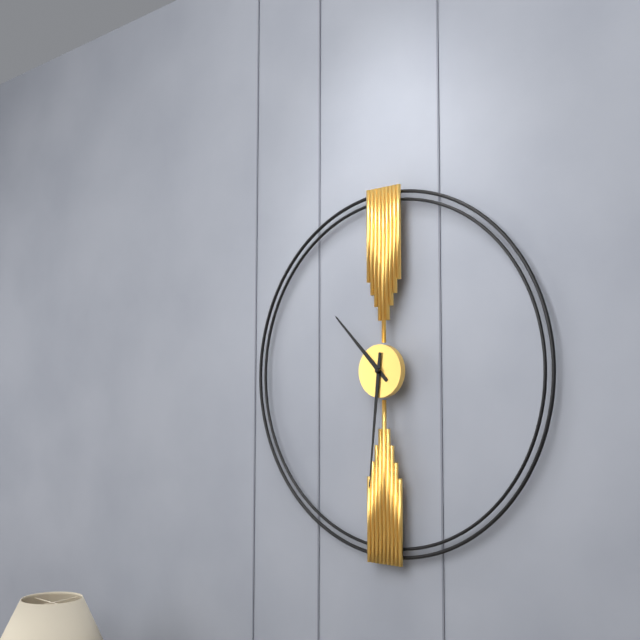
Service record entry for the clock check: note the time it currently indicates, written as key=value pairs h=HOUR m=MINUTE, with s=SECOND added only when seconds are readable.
h=10 m=31
